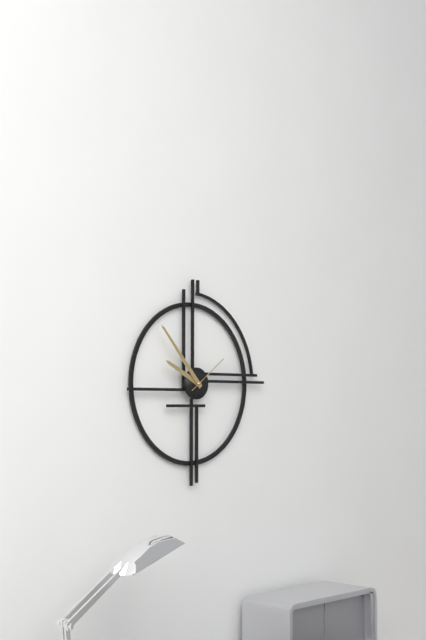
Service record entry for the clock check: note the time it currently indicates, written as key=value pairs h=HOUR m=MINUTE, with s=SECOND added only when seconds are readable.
h=9 m=53
